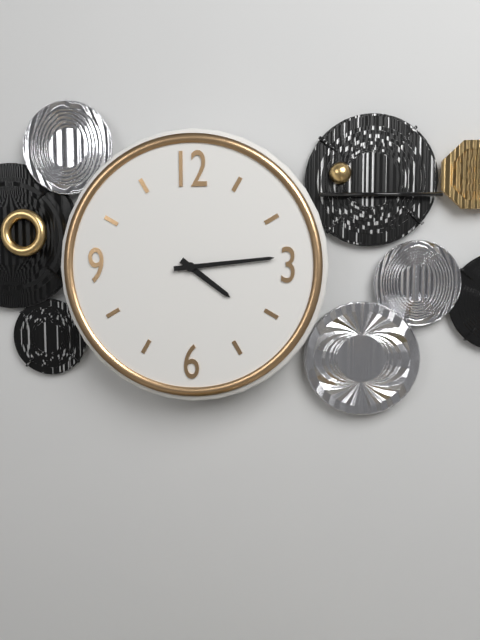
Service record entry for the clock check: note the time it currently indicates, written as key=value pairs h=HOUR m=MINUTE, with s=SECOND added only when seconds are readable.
h=4 m=14
